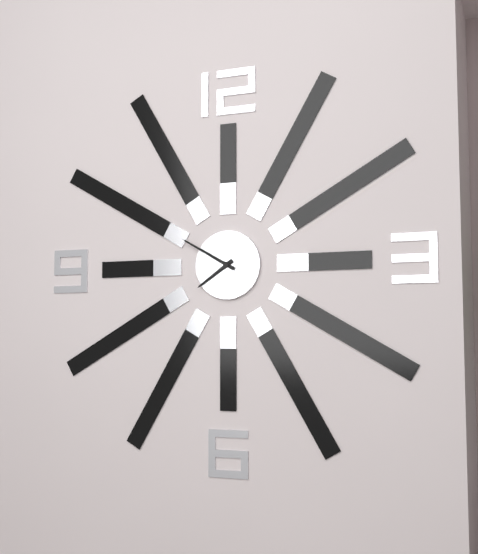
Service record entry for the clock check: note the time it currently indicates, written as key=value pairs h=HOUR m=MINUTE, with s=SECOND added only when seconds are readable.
h=7 m=50
